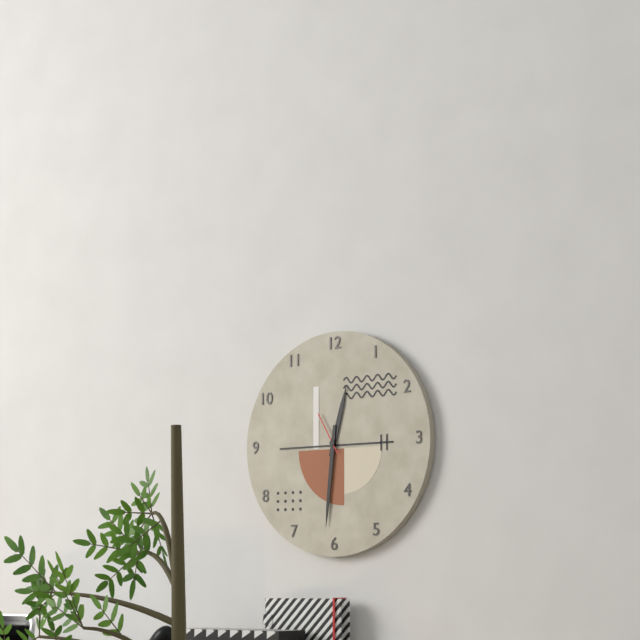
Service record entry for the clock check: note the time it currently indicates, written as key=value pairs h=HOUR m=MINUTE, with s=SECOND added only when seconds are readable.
h=12 m=31
